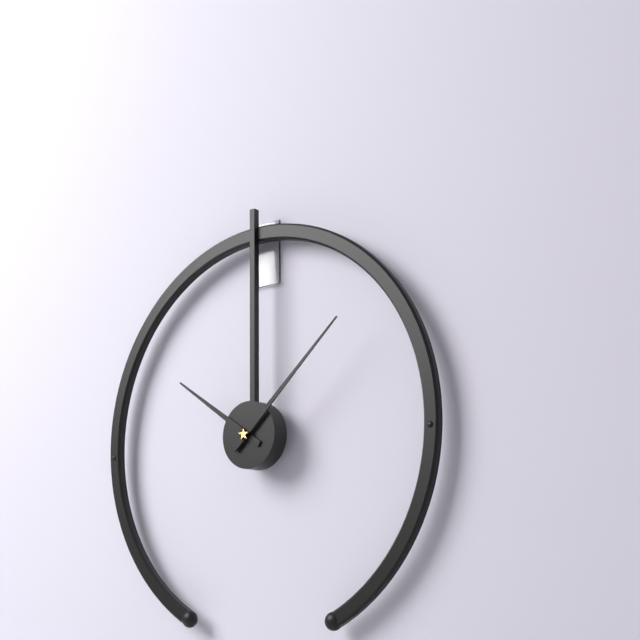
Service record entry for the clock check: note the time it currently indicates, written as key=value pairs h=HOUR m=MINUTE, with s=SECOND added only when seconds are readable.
h=10 m=8
